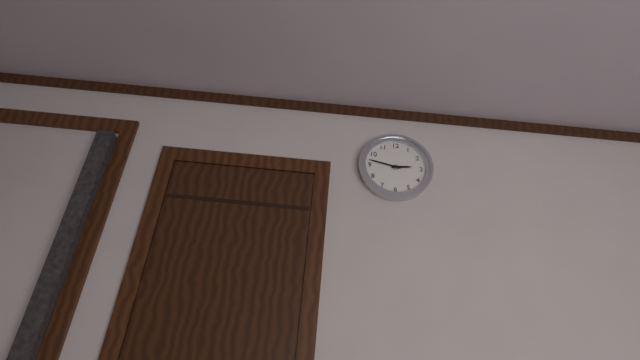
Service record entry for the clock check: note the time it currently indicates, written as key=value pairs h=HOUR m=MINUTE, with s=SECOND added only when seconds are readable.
h=2 m=47
